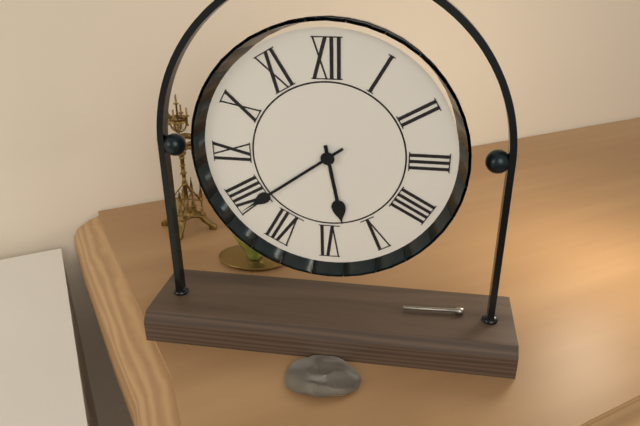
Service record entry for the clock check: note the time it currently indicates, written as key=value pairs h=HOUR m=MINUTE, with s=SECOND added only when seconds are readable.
h=5 m=39
